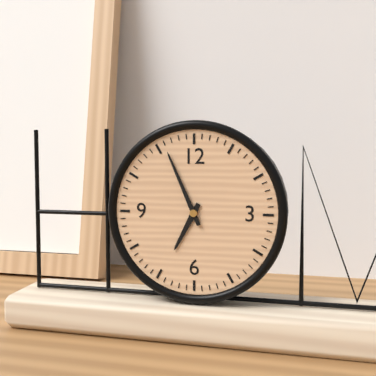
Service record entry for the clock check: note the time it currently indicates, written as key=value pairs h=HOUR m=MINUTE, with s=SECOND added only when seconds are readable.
h=6 m=56
